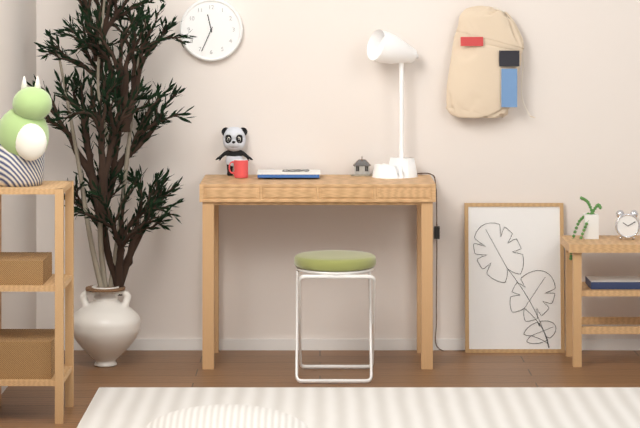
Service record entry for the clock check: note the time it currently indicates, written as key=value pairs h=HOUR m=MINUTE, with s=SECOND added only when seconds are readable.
h=11 m=34
